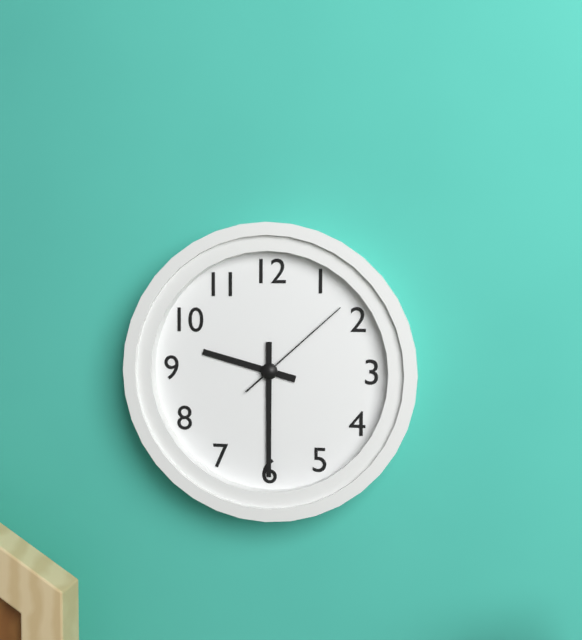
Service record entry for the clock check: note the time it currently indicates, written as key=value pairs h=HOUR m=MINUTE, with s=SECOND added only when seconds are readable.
h=9 m=30 s=8
